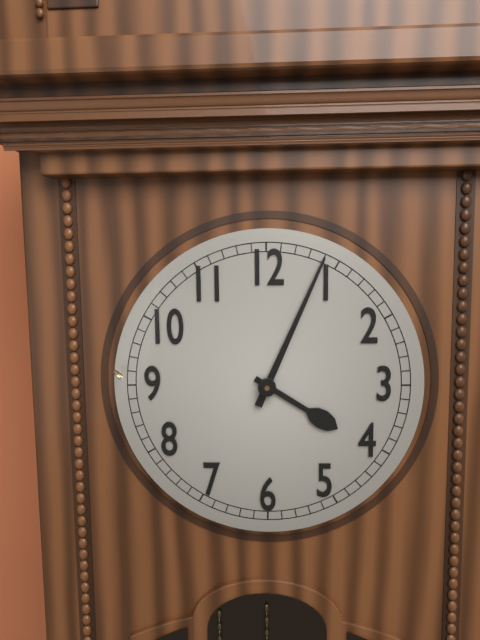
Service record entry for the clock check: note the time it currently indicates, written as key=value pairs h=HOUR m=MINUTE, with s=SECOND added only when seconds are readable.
h=4 m=4
